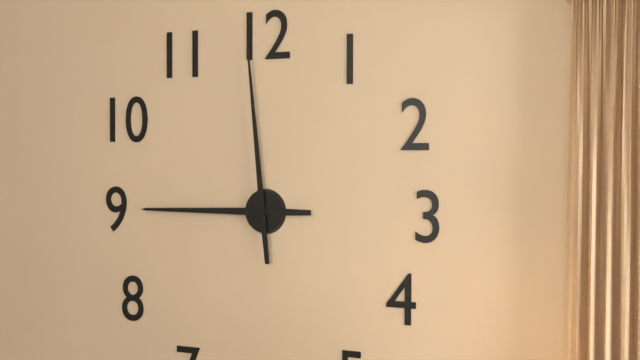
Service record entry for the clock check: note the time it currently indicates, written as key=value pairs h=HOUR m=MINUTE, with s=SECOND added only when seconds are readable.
h=8 m=59
